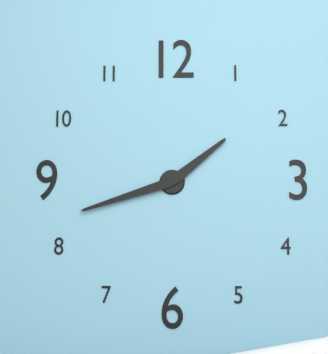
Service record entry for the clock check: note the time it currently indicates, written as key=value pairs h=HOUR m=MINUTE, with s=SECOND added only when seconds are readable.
h=1 m=42
